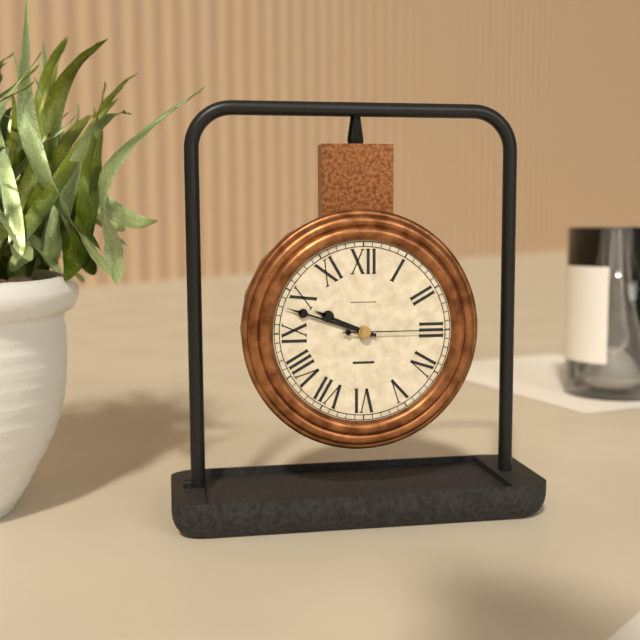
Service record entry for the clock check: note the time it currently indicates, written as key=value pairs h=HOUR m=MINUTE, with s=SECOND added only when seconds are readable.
h=9 m=48 s=15
